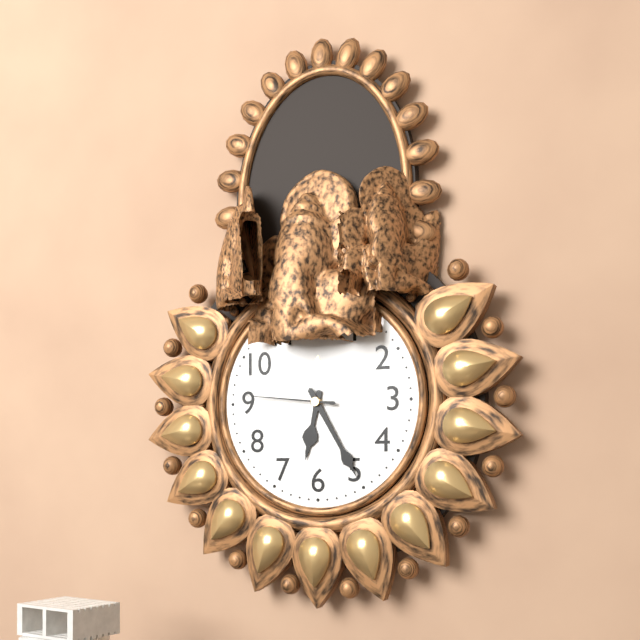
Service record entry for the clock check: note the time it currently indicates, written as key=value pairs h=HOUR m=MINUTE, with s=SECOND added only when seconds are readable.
h=6 m=25 s=46
